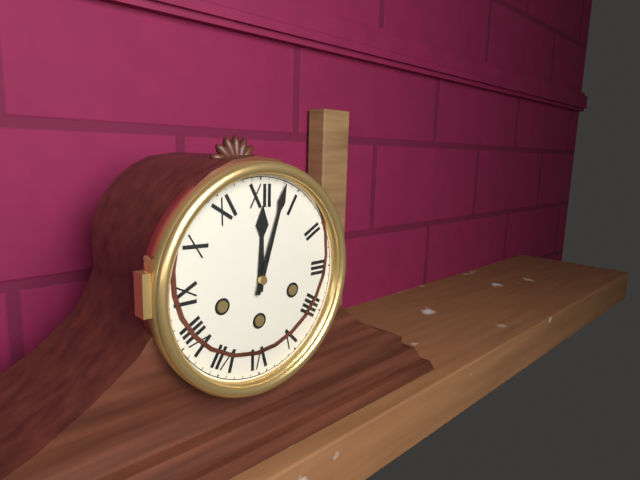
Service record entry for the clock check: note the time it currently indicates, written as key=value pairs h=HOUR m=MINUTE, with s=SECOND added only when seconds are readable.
h=12 m=3
